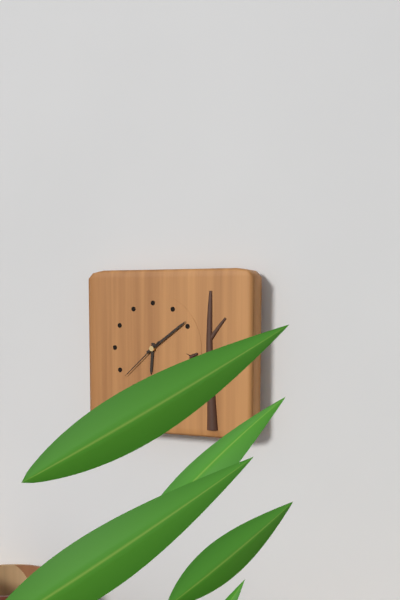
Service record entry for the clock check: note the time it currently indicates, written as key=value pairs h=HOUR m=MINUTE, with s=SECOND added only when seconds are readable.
h=6 m=9
